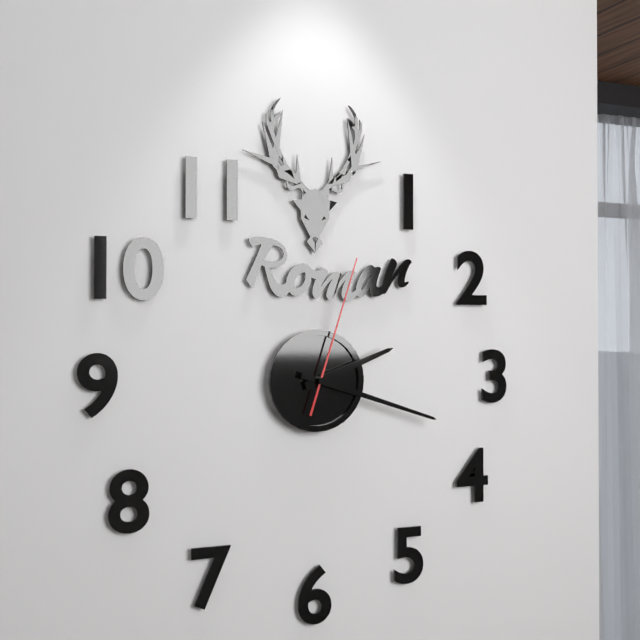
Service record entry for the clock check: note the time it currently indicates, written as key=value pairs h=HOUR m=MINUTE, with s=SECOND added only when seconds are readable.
h=2 m=18 s=3
